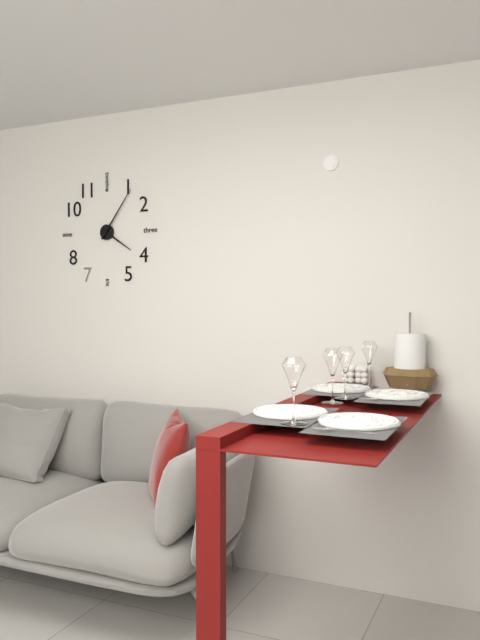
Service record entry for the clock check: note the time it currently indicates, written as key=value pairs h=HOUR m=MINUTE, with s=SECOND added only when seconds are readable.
h=4 m=6
